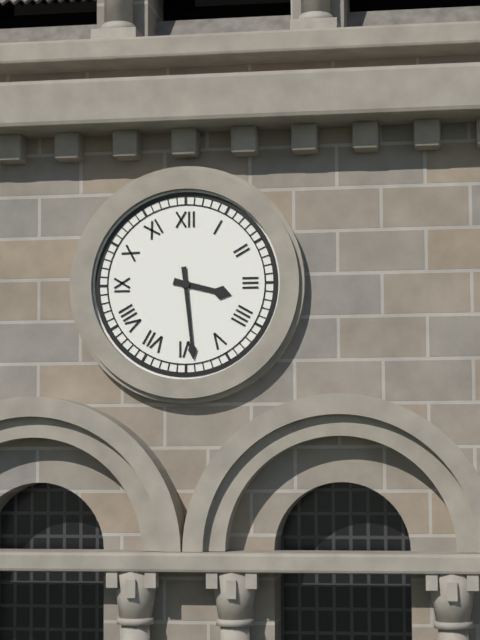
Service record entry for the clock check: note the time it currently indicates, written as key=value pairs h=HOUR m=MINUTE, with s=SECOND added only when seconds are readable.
h=3 m=29
